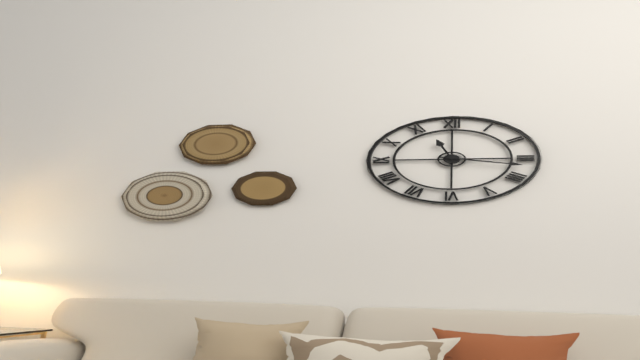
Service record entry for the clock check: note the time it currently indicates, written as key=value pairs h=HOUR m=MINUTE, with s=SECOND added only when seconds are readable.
h=11 m=17
